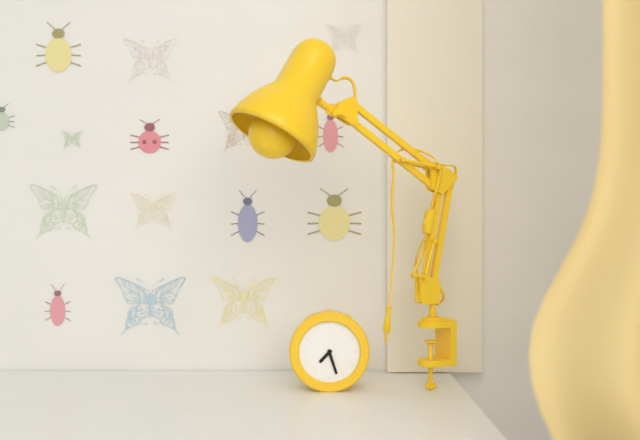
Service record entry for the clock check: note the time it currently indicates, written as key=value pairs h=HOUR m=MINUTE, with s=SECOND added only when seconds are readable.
h=7 m=27
